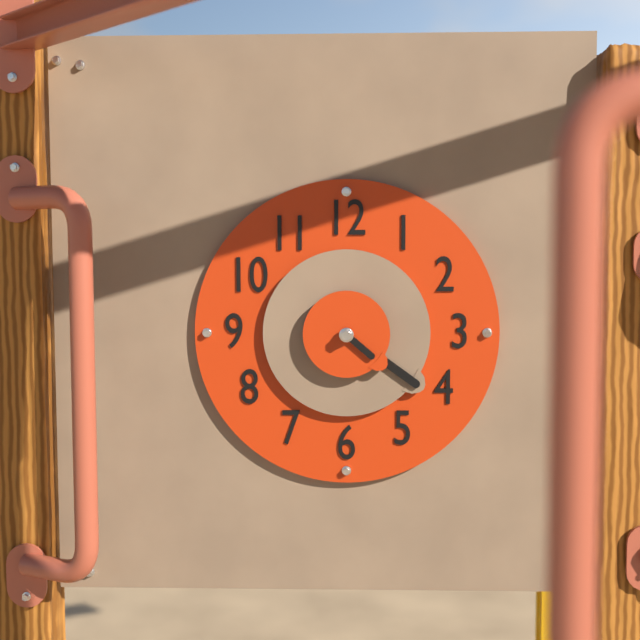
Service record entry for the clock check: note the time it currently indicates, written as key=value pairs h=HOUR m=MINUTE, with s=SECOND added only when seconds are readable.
h=4 m=21
